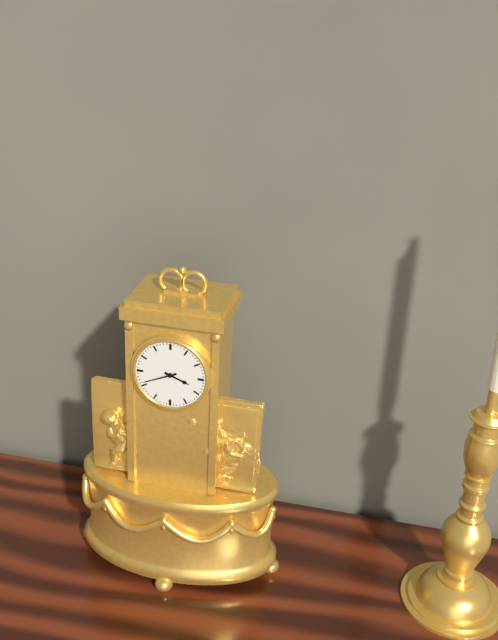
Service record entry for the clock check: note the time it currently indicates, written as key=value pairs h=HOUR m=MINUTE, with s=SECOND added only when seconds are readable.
h=3 m=41
